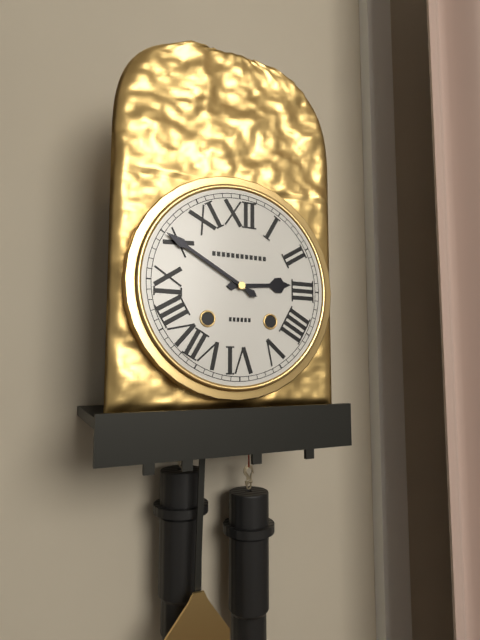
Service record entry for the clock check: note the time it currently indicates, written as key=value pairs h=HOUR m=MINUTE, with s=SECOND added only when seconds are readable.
h=2 m=50
